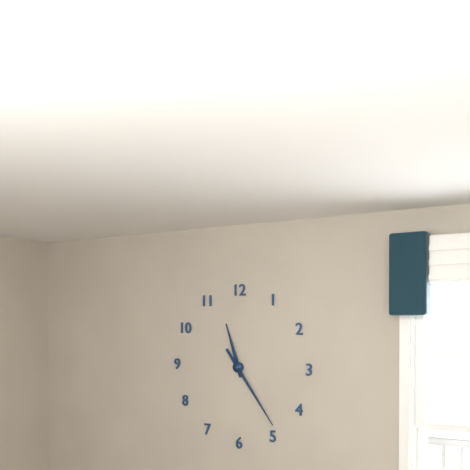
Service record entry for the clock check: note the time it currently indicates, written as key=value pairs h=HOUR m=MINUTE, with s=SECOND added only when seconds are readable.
h=11 m=24
